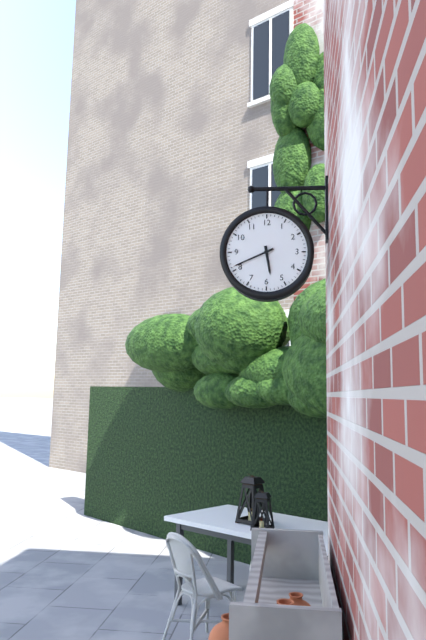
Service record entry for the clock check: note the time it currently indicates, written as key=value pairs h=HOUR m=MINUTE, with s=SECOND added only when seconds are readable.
h=5 m=41
